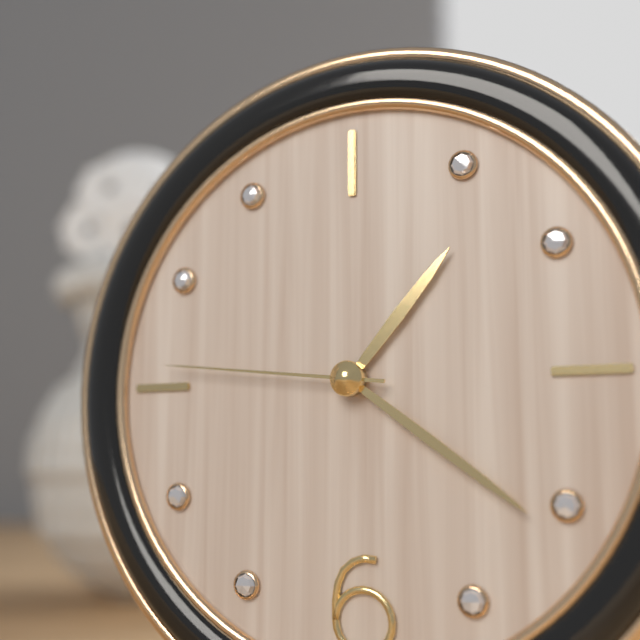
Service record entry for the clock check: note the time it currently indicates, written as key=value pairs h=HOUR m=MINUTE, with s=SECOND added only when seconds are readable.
h=1 m=21 s=46
